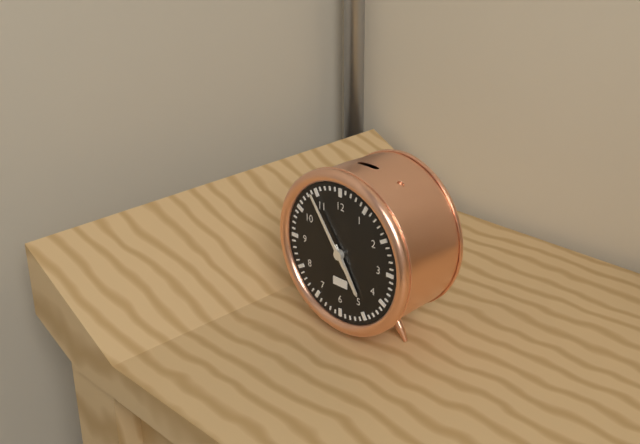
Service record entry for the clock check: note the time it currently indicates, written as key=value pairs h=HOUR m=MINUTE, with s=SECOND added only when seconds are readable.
h=4 m=54
